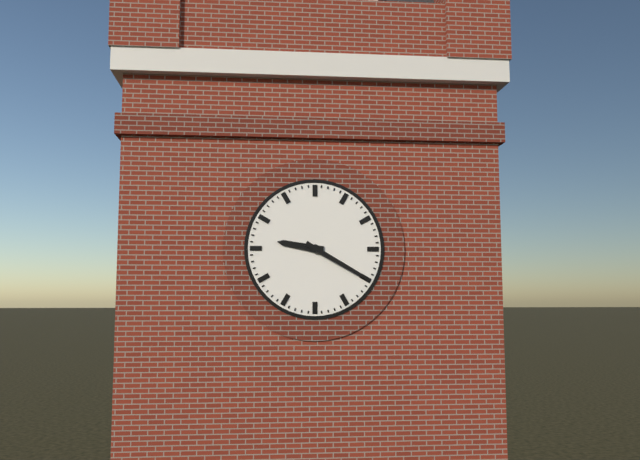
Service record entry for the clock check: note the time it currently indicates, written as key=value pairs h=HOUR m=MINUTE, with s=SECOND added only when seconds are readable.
h=9 m=20
